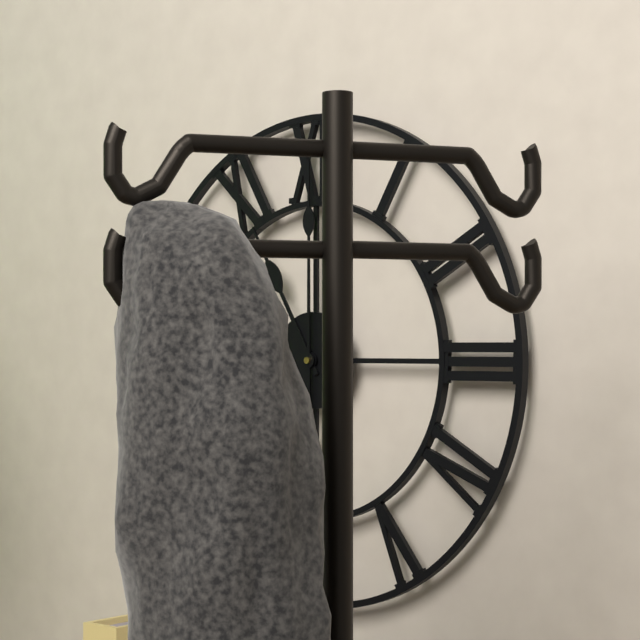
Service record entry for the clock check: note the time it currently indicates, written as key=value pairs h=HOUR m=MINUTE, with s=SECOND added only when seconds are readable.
h=11 m=0
